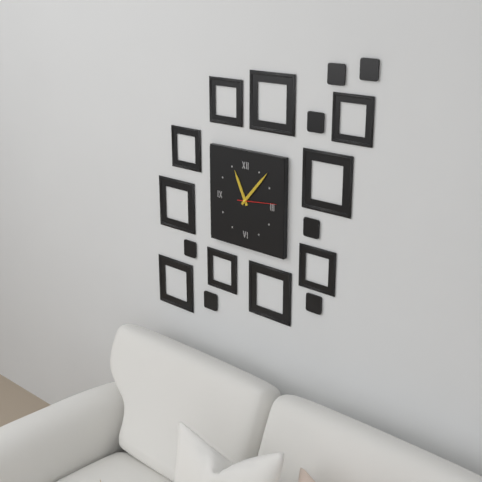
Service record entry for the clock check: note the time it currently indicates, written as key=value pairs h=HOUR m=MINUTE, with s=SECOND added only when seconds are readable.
h=11 m=7
